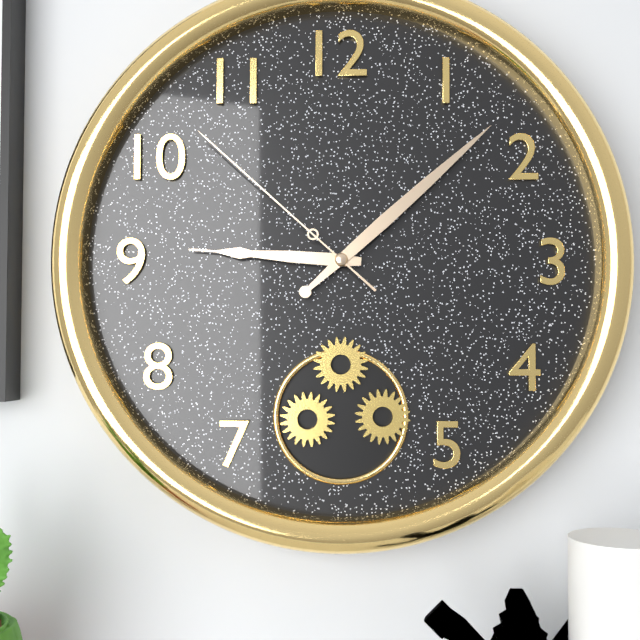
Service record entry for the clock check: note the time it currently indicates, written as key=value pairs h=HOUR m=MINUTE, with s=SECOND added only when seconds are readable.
h=9 m=8 s=52
